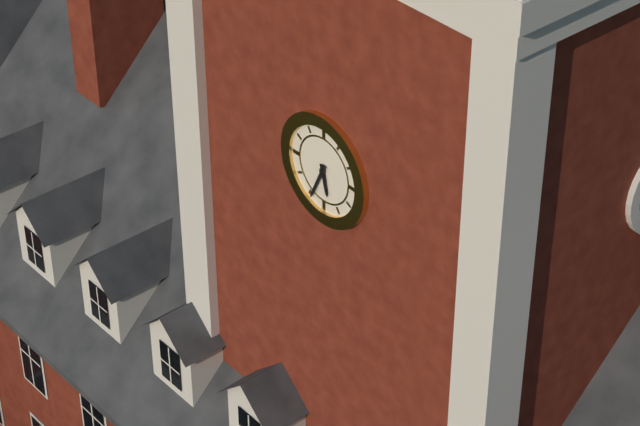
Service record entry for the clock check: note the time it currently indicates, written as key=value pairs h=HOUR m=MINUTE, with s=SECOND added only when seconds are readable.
h=5 m=34
